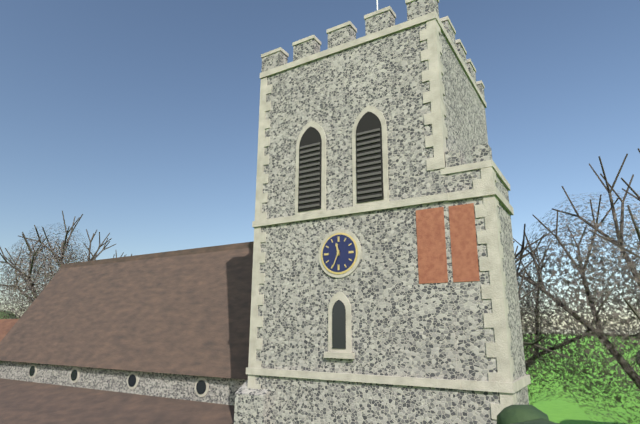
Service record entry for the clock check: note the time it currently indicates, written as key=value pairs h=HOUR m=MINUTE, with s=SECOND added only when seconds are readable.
h=11 m=34
